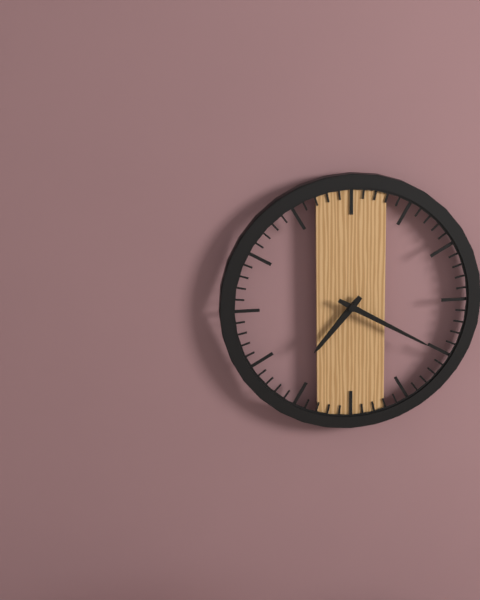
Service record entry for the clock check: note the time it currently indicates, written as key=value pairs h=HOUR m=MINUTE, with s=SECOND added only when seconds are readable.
h=7 m=20
